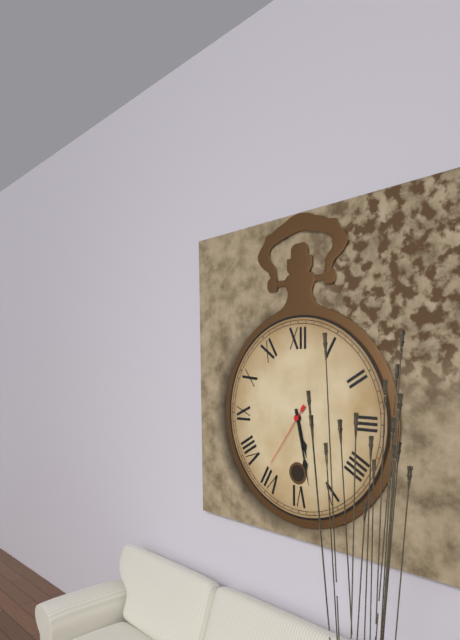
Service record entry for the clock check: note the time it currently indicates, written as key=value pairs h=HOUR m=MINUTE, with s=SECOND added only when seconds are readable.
h=5 m=28 s=36
